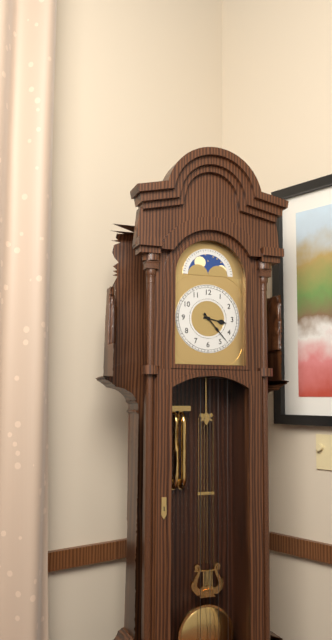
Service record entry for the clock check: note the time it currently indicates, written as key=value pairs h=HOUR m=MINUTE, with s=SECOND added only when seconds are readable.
h=3 m=23
